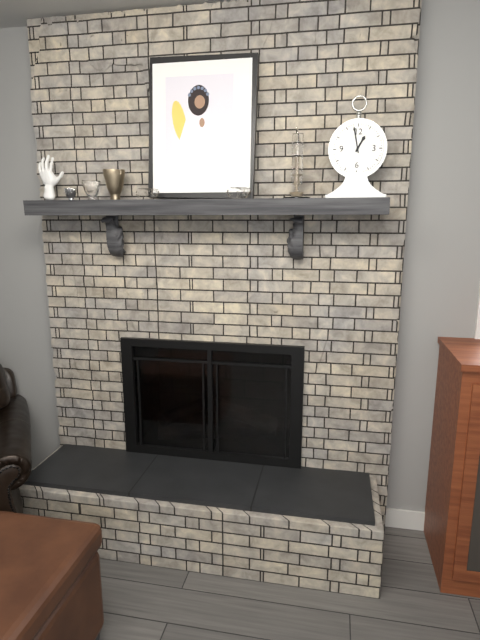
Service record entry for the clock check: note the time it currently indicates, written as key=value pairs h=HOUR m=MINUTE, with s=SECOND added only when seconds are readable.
h=12 m=58
